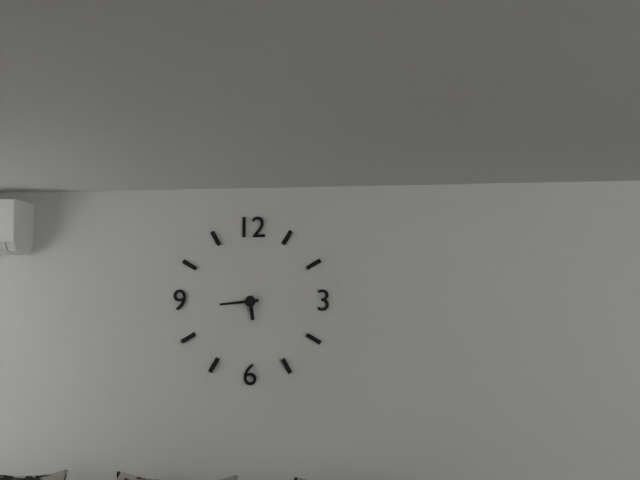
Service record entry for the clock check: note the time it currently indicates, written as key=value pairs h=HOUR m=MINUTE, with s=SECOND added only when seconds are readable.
h=5 m=44
